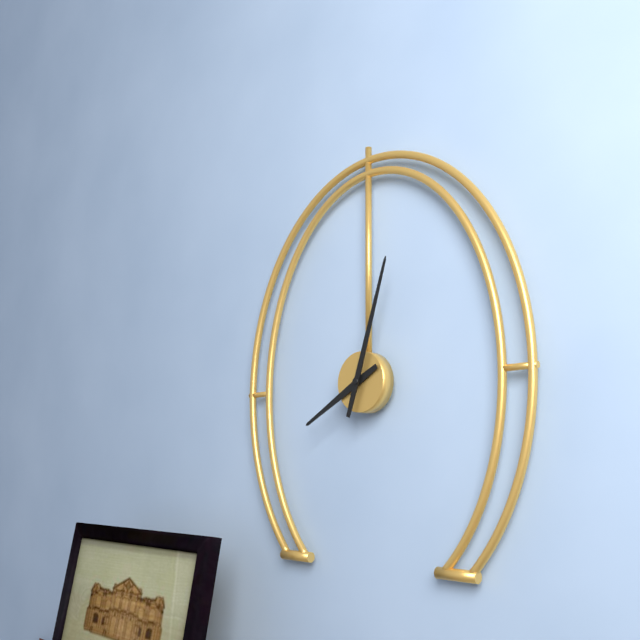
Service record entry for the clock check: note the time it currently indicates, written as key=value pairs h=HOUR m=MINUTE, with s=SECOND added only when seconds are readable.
h=8 m=3
